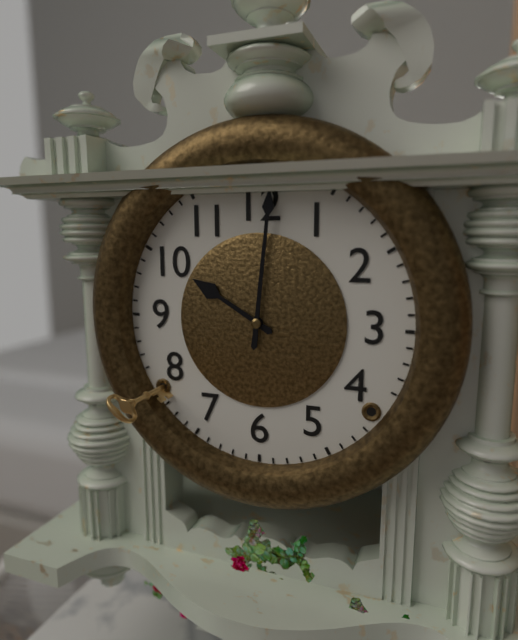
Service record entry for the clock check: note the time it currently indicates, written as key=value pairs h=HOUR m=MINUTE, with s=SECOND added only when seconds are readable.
h=10 m=1
